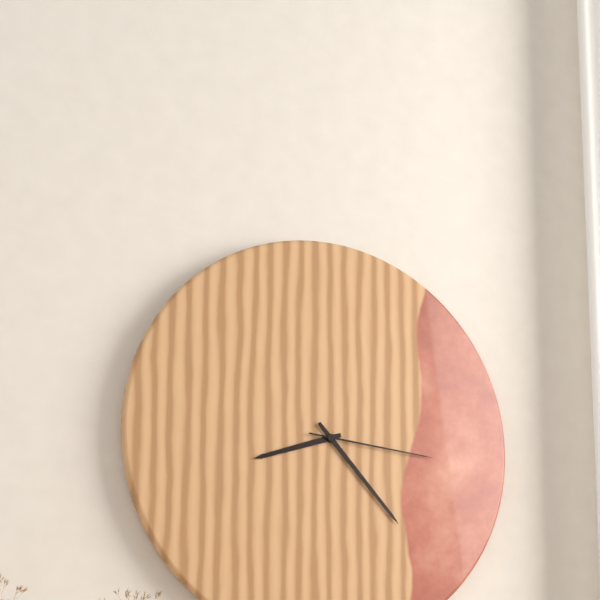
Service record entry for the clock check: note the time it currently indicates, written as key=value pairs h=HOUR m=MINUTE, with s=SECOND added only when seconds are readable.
h=8 m=23 s=16
